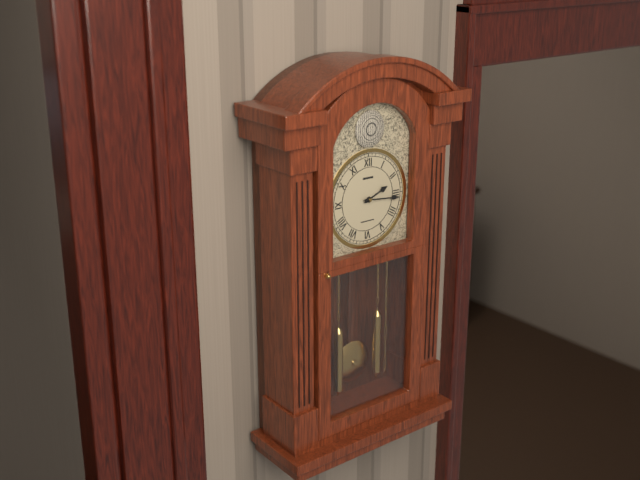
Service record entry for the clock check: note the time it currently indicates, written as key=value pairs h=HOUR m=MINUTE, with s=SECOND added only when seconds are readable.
h=2 m=16
